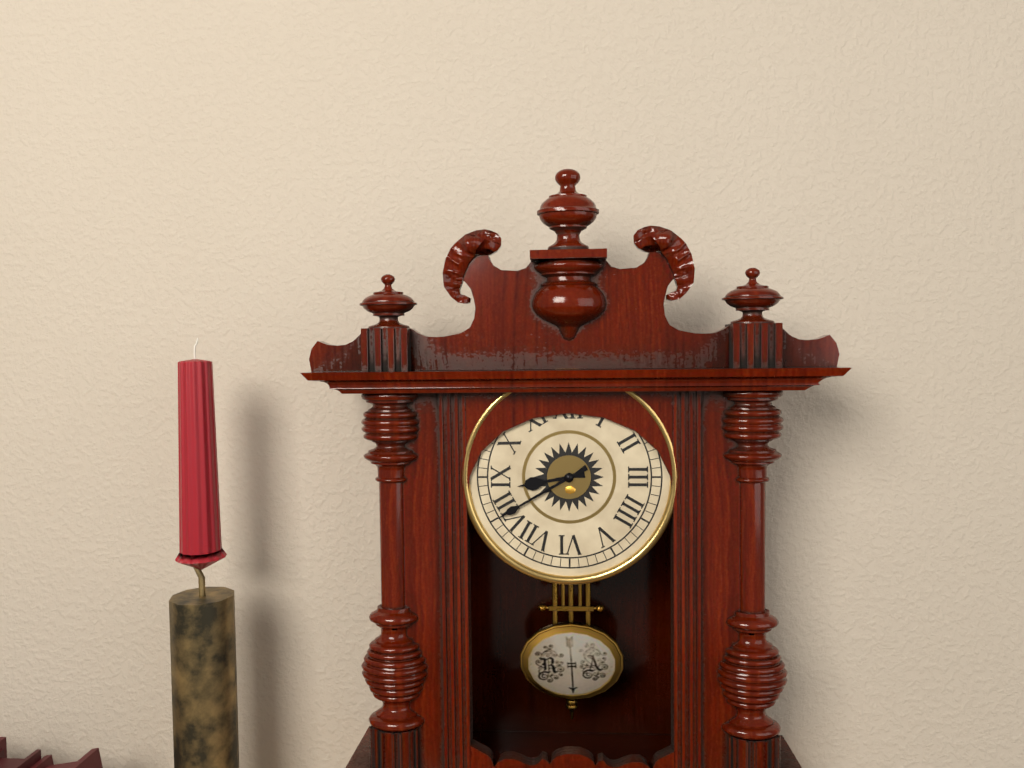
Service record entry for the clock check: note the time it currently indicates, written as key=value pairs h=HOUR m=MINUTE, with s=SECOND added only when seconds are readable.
h=8 m=40
